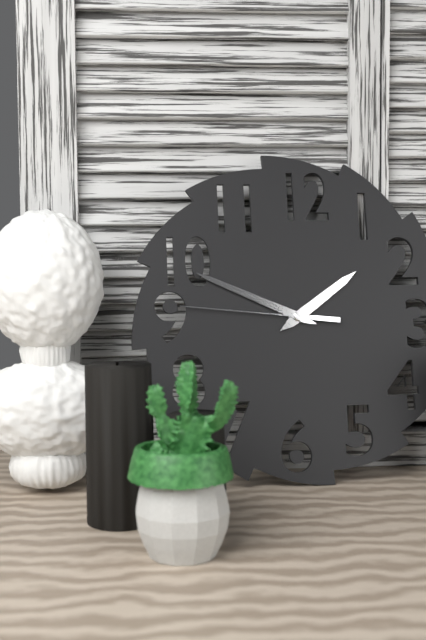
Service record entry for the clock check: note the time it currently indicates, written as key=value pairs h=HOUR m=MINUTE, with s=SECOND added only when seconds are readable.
h=1 m=49 s=46
